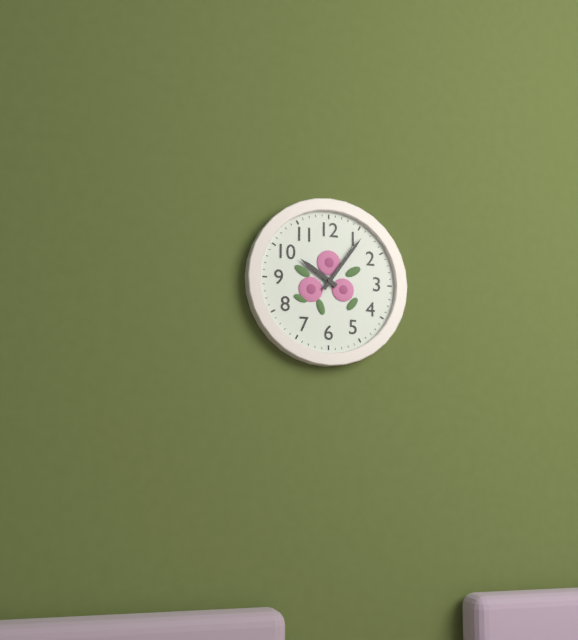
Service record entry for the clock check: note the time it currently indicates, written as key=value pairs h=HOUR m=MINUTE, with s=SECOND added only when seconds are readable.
h=10 m=6
